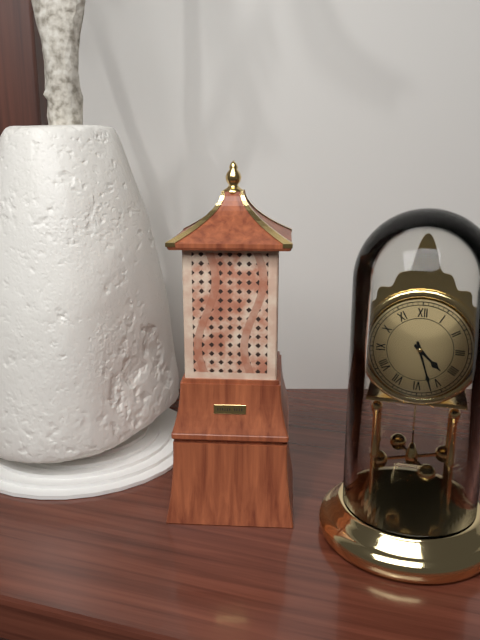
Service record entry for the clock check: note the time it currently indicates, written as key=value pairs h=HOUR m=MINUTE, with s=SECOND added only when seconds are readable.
h=4 m=27
